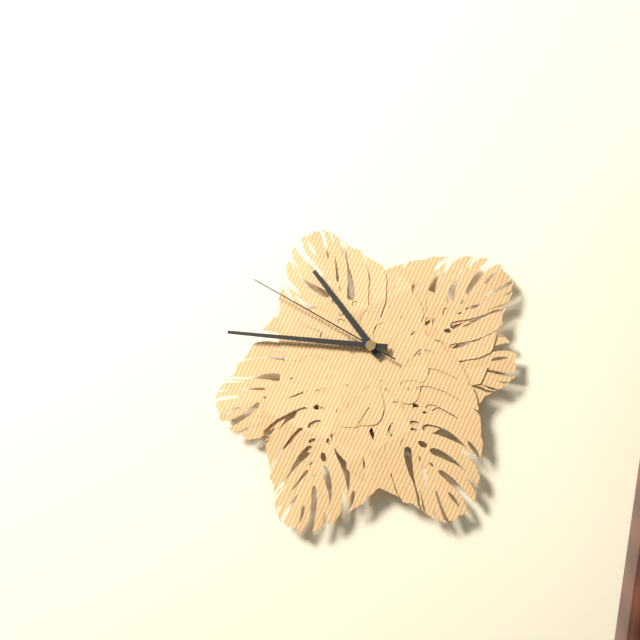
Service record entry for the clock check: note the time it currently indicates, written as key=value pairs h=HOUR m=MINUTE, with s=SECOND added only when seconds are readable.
h=10 m=46 s=50
